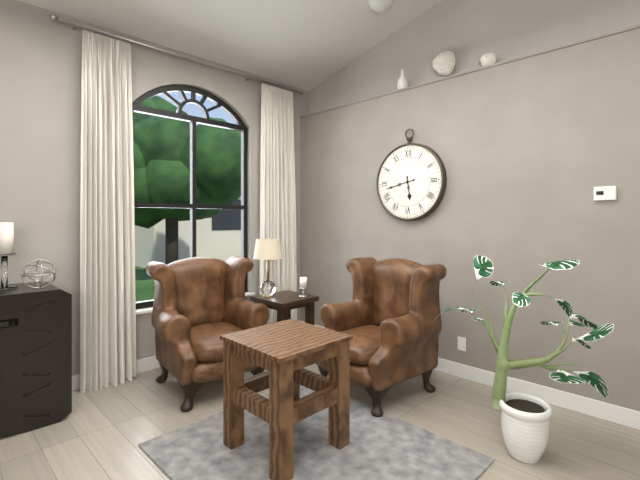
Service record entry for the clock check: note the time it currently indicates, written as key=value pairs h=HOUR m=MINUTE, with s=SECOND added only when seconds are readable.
h=5 m=43
